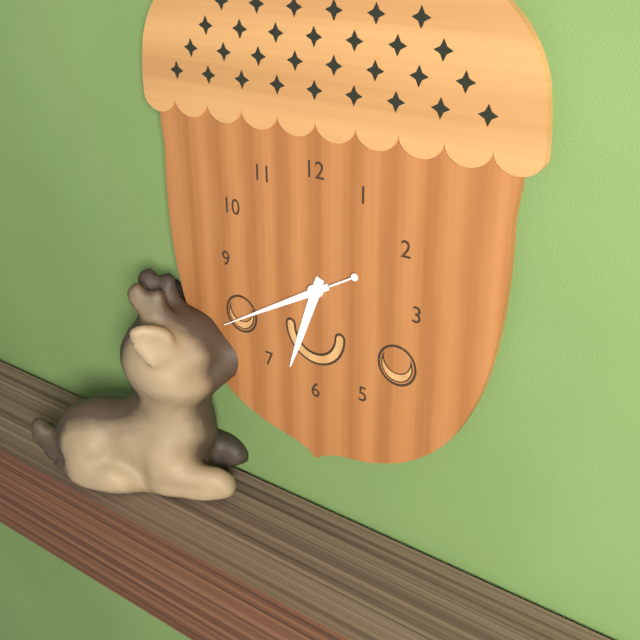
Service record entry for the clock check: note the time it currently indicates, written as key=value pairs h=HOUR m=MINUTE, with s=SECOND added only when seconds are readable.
h=6 m=40 s=40
